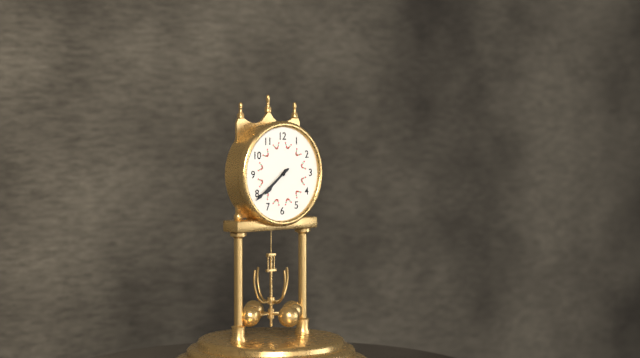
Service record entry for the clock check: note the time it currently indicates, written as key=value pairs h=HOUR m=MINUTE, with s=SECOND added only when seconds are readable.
h=7 m=39
